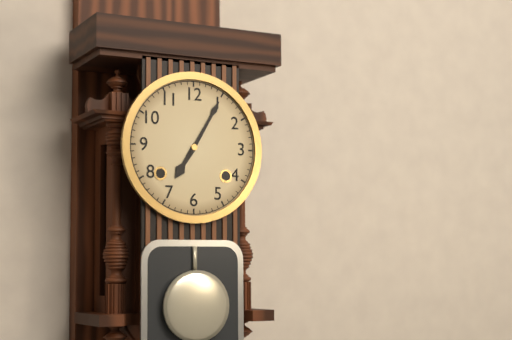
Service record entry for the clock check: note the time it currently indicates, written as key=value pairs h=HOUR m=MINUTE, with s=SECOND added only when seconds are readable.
h=7 m=5
